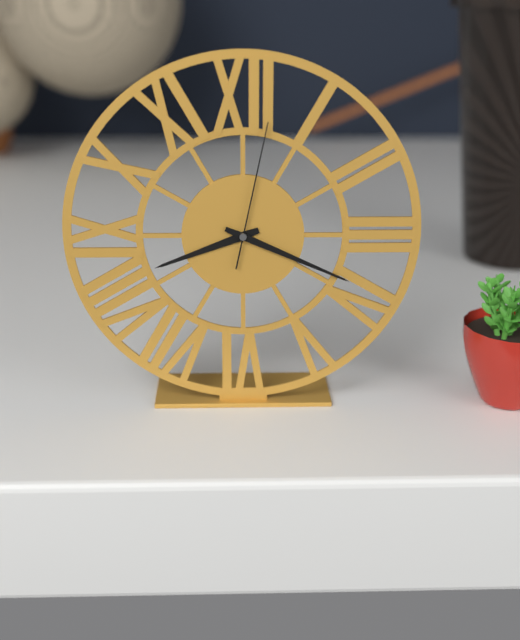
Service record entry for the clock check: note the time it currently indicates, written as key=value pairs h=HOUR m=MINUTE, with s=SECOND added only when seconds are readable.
h=8 m=19 s=2
